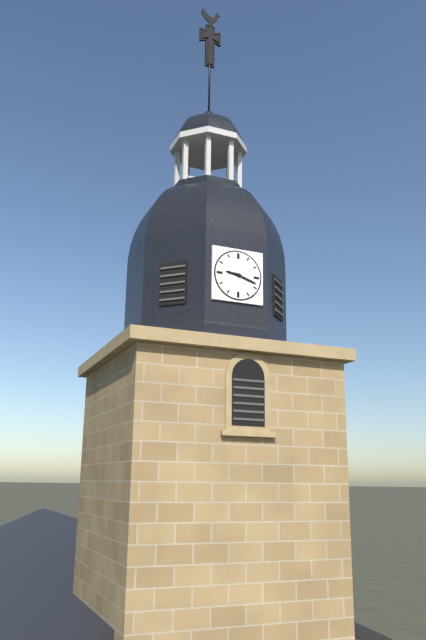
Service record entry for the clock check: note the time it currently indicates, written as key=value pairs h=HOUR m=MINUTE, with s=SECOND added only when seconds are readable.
h=9 m=18
